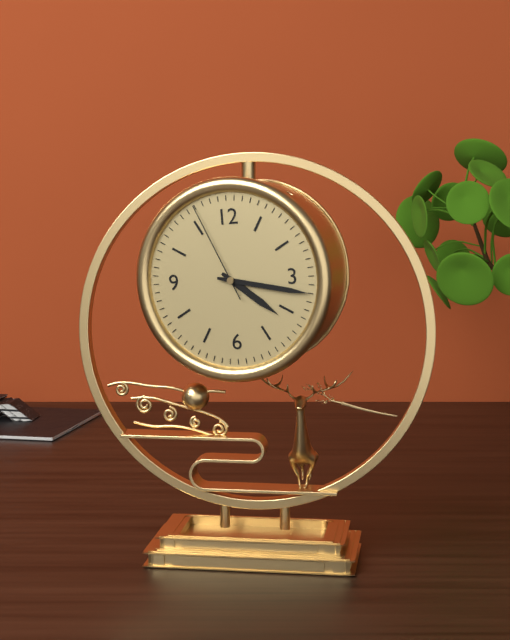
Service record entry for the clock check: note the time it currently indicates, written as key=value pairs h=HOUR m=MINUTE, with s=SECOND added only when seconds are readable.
h=4 m=17 s=56
